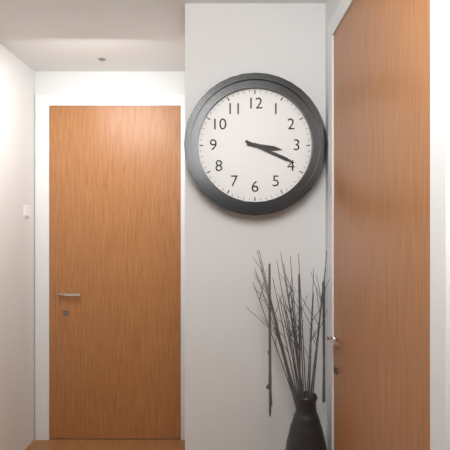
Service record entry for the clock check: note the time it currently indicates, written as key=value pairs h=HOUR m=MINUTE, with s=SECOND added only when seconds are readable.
h=3 m=19
